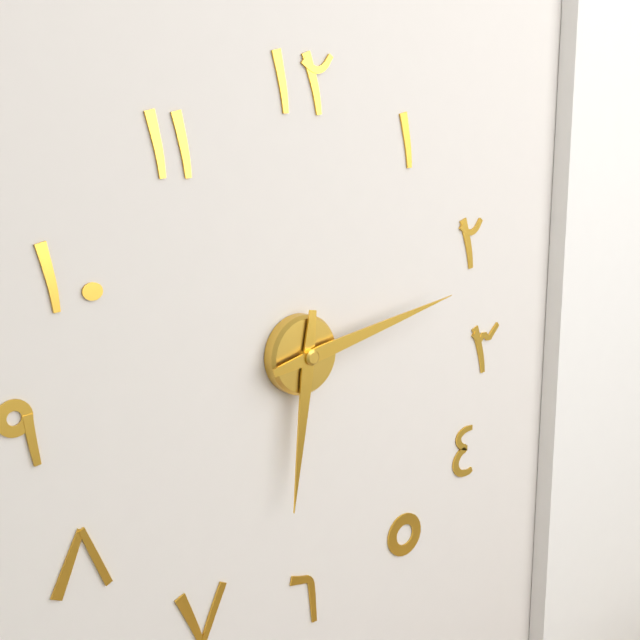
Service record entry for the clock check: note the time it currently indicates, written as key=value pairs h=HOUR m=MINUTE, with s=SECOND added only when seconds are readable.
h=6 m=13
